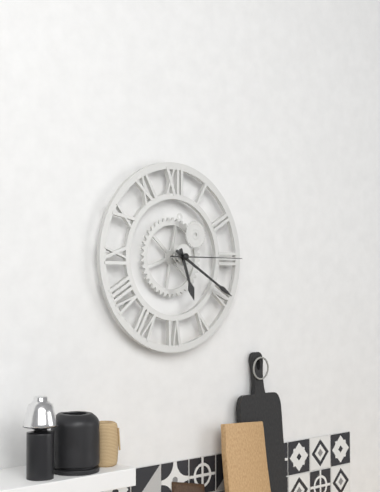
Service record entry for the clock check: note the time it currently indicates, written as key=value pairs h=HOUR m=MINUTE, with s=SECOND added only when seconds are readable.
h=5 m=20 s=15
